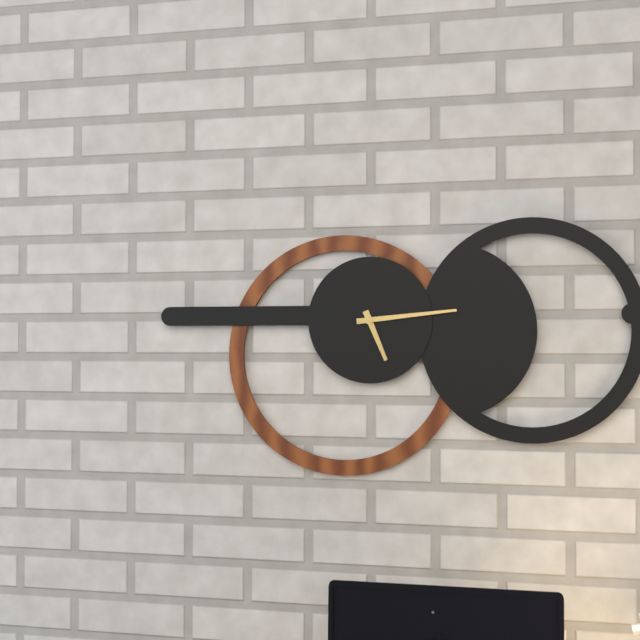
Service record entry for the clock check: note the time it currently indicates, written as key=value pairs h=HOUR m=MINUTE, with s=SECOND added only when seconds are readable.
h=5 m=14
